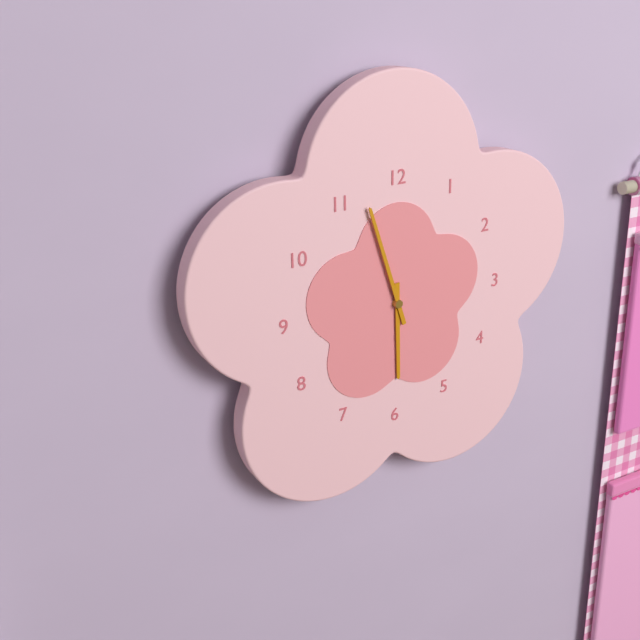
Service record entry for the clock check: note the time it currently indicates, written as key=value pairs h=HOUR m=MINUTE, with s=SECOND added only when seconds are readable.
h=5 m=57
